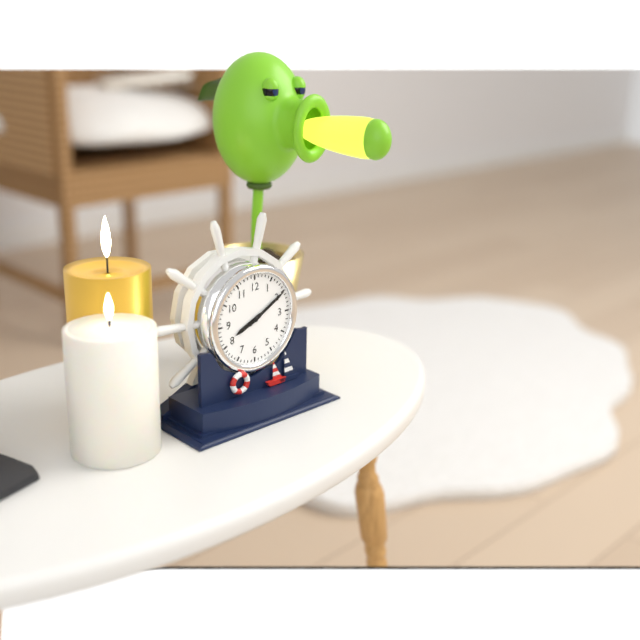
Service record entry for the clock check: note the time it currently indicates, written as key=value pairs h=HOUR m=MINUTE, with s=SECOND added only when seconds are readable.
h=8 m=10
